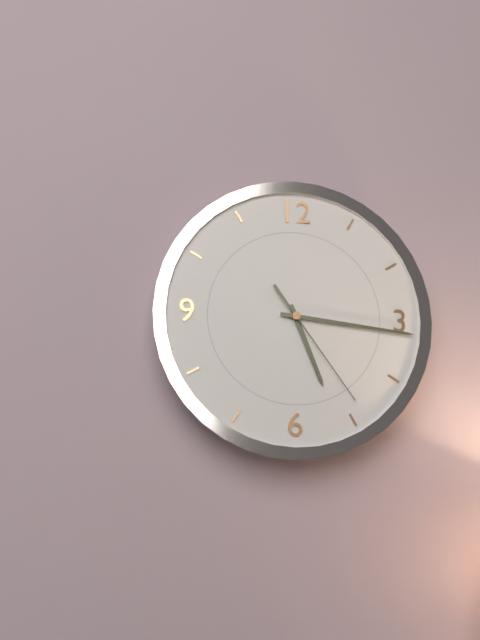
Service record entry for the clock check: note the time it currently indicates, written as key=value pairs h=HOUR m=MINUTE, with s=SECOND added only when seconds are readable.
h=5 m=16 s=24
